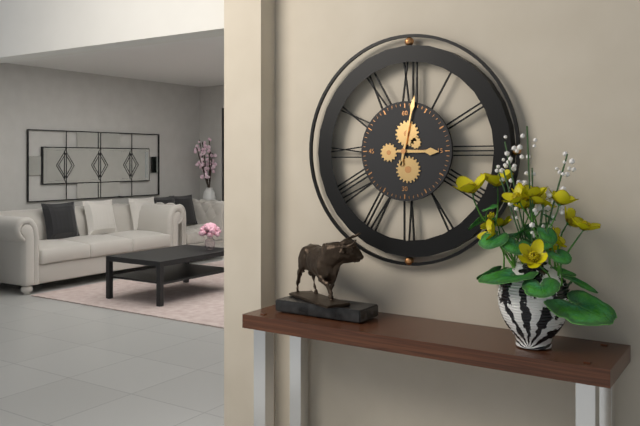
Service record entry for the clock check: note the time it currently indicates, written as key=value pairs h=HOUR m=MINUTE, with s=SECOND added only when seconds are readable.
h=3 m=2
